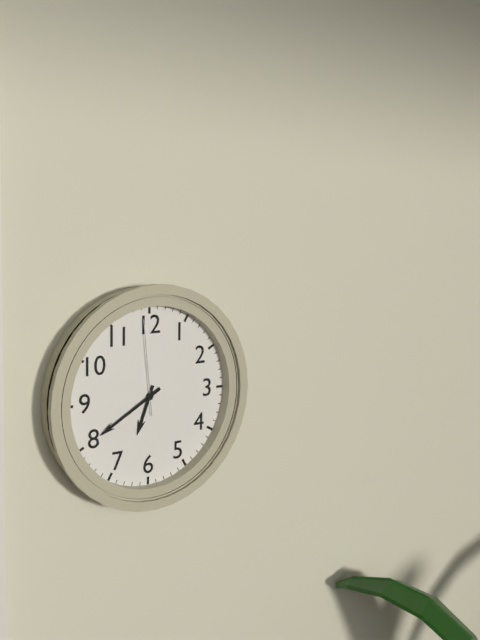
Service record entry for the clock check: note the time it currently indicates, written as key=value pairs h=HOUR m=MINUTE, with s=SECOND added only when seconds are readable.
h=6 m=40 s=59
